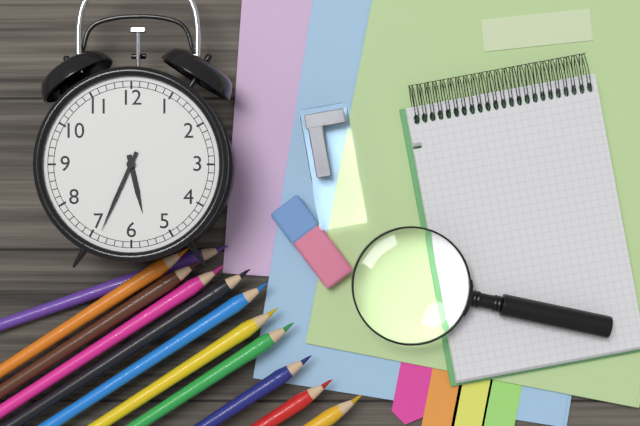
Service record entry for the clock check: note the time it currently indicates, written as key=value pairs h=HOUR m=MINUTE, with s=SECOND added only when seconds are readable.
h=5 m=34
